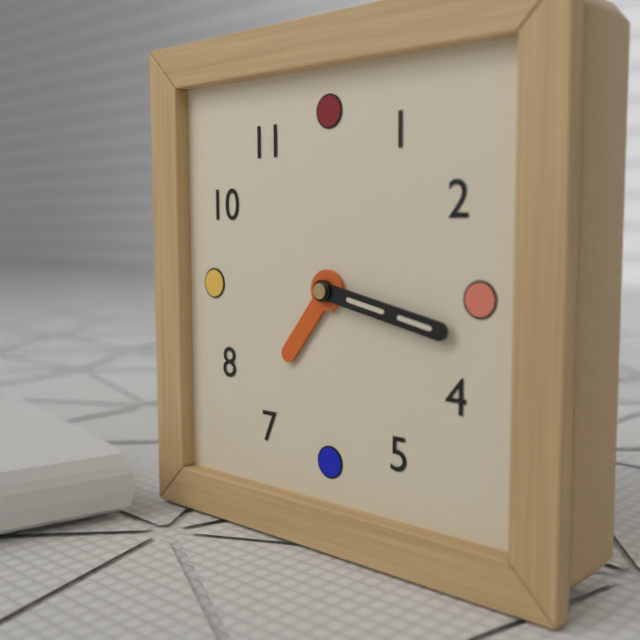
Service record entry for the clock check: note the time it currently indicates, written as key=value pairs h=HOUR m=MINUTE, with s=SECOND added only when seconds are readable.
h=7 m=17
